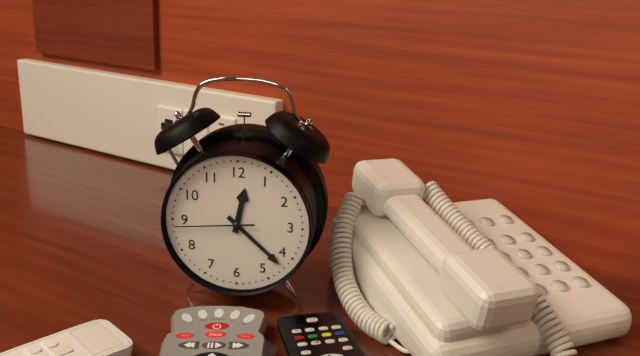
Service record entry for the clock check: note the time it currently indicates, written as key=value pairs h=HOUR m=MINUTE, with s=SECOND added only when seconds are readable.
h=12 m=22 s=44
